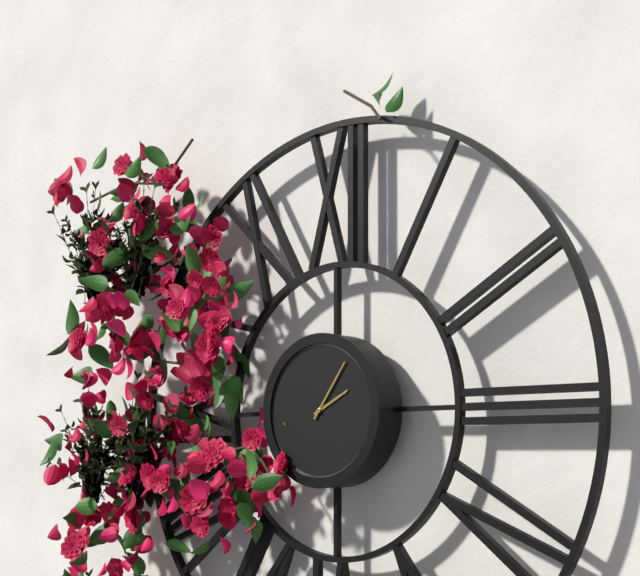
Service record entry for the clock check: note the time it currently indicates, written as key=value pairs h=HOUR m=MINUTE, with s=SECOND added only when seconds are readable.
h=2 m=6
